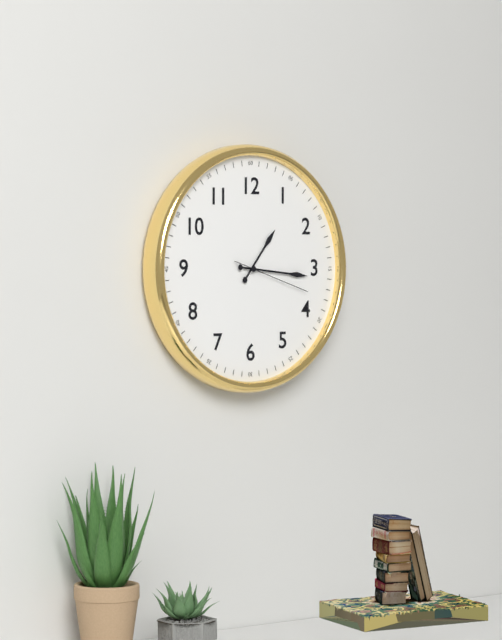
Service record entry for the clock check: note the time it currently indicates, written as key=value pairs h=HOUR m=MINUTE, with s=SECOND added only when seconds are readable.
h=1 m=16 s=18
